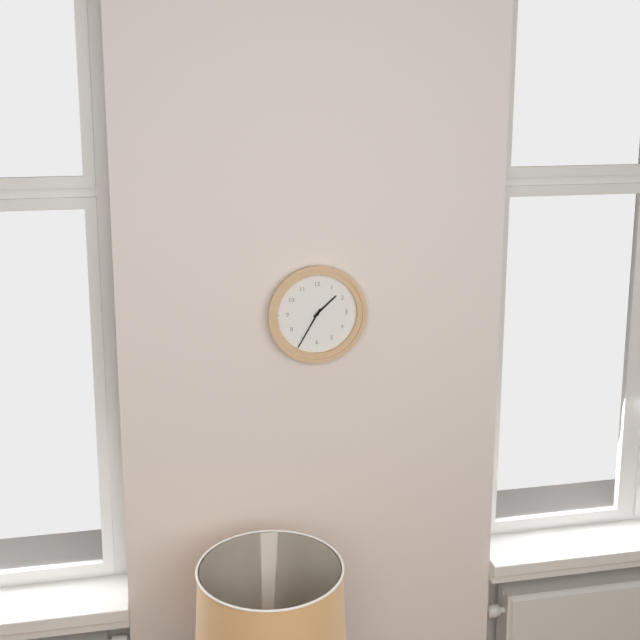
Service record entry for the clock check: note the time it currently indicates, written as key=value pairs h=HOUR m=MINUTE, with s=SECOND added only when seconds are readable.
h=1 m=35
